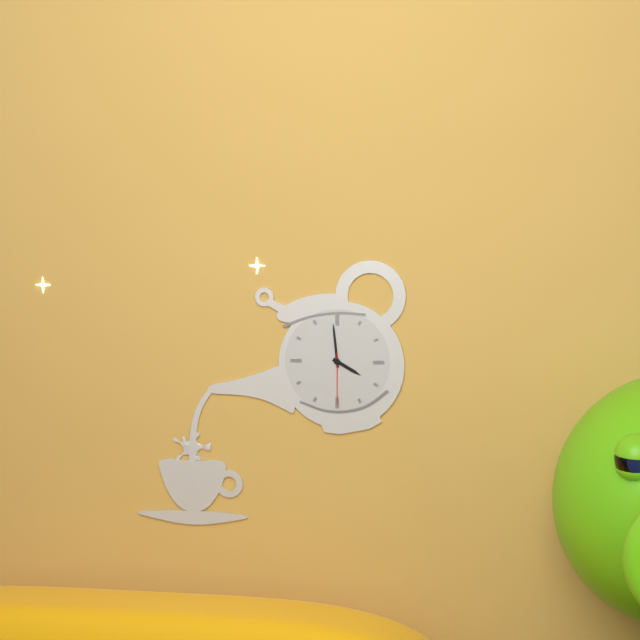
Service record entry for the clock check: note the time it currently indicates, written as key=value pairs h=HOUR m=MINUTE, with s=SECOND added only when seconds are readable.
h=3 m=59 s=30
